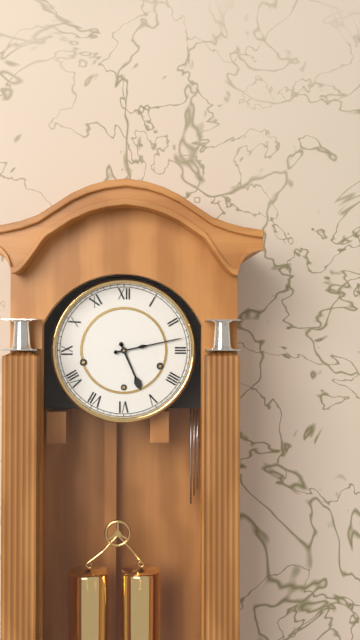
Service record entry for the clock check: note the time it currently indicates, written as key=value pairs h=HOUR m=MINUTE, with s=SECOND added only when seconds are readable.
h=5 m=13
